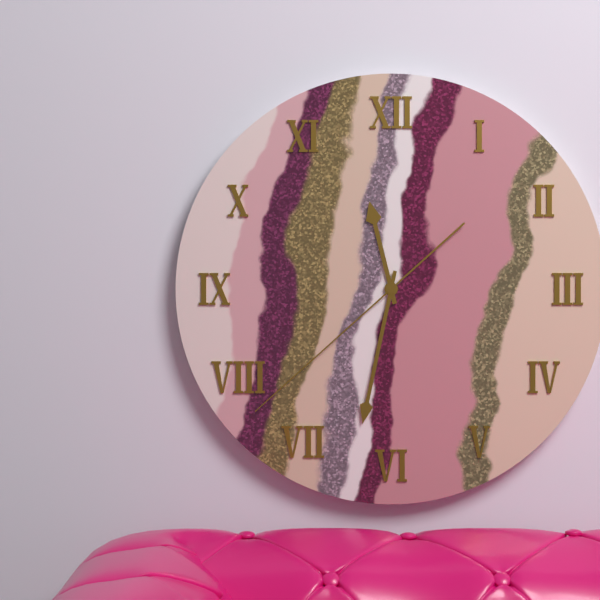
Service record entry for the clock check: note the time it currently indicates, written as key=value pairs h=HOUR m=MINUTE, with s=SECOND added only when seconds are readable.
h=11 m=32 s=38
